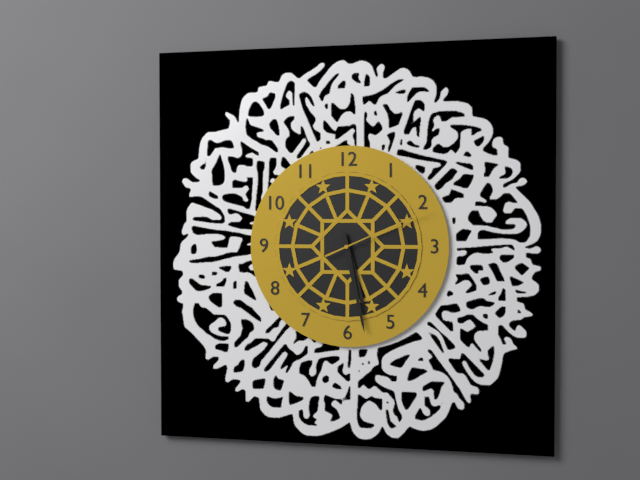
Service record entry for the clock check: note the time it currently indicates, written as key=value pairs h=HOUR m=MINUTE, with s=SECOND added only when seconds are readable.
h=5 m=28 s=11
